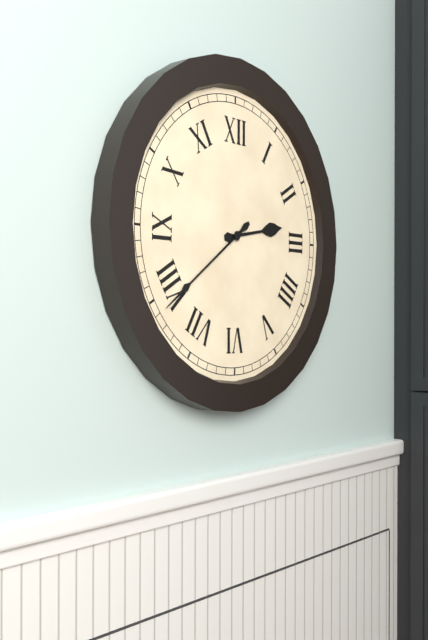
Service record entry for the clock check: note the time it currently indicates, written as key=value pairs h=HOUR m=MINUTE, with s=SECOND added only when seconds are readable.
h=2 m=39
